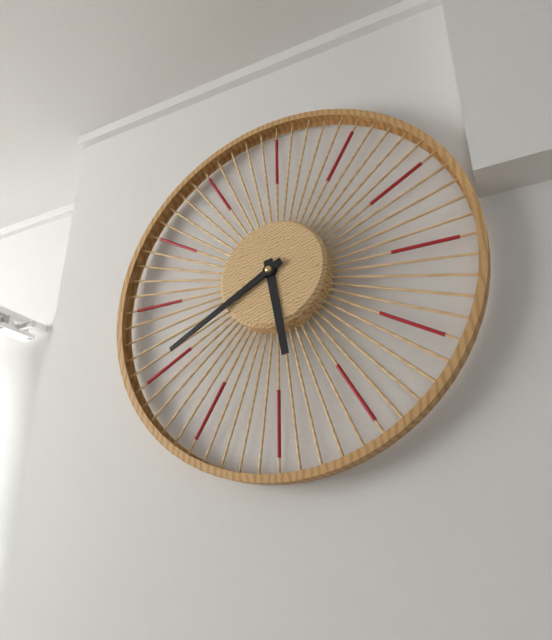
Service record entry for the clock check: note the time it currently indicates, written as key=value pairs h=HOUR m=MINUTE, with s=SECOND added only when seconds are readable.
h=5 m=40
